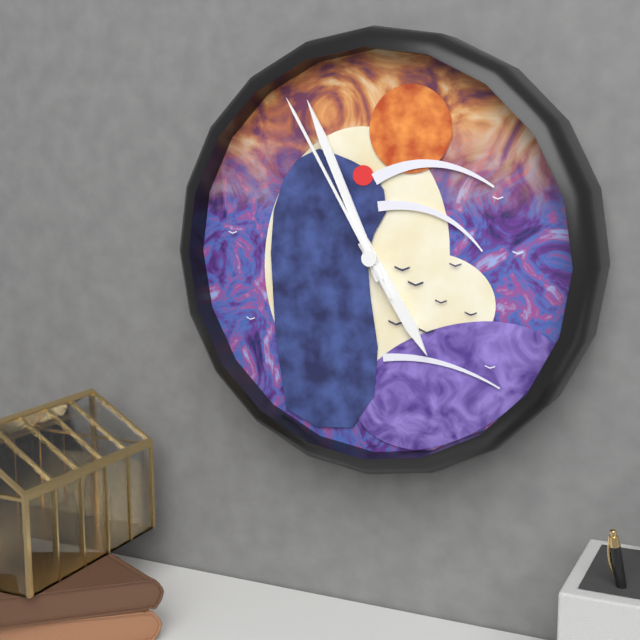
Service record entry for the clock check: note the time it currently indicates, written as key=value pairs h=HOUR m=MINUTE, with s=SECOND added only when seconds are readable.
h=4 m=56 s=55
